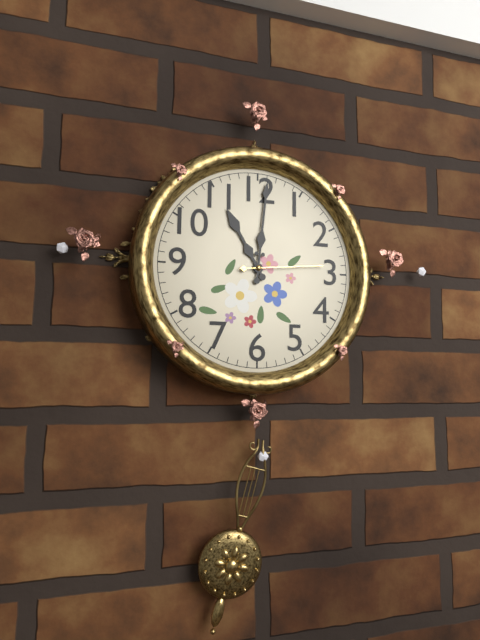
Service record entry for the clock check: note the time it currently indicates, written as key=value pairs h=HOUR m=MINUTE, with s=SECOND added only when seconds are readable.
h=11 m=1 s=14
